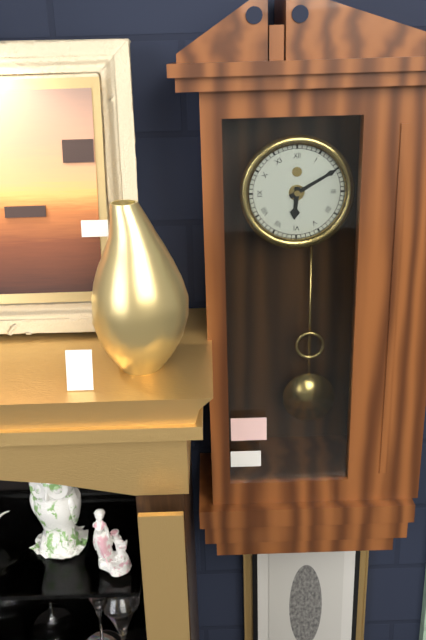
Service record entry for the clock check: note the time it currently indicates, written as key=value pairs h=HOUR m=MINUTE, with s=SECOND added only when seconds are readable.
h=6 m=10
